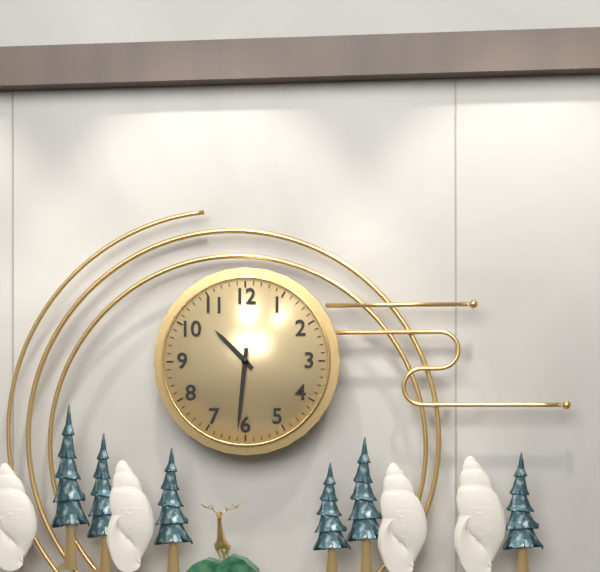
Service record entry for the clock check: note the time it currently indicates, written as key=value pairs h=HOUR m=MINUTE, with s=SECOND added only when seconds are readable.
h=10 m=31
